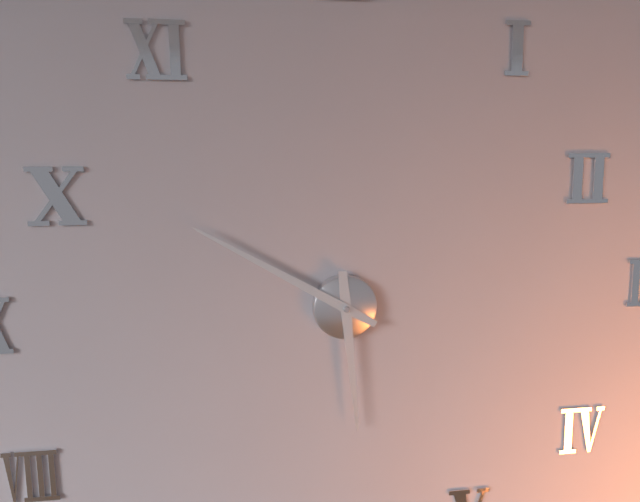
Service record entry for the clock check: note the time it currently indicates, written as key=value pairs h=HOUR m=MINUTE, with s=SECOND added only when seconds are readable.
h=5 m=50
